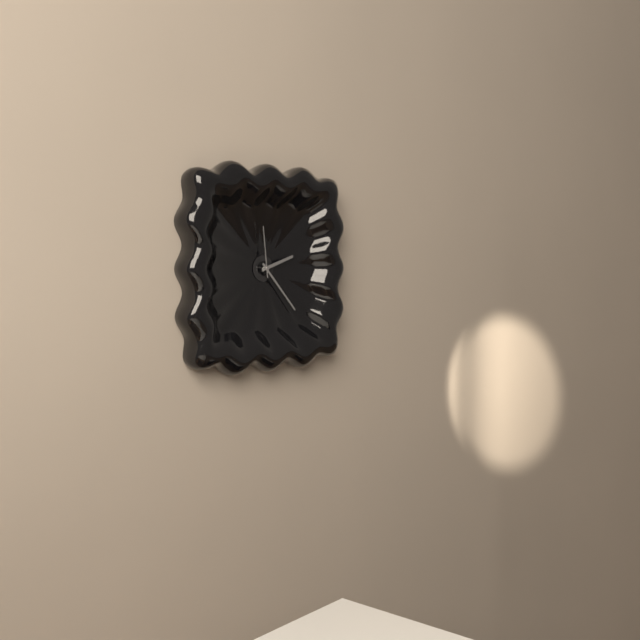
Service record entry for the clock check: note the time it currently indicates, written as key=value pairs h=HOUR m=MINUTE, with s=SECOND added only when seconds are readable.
h=2 m=23 s=59
